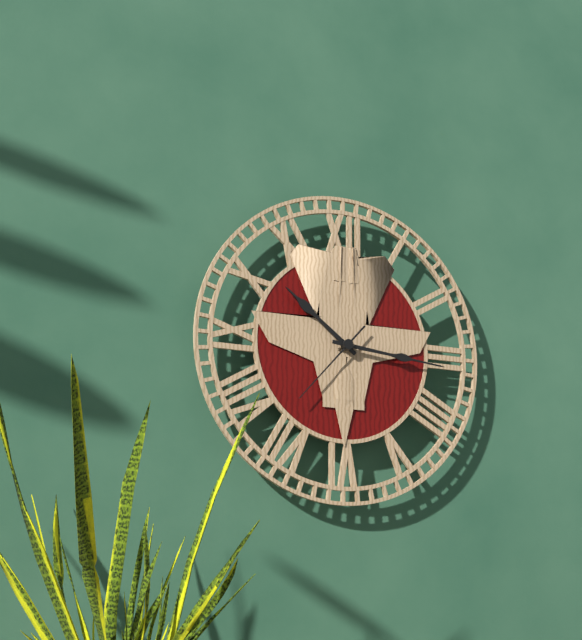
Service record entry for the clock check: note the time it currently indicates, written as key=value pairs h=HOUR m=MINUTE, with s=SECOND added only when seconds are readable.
h=10 m=16 s=37
